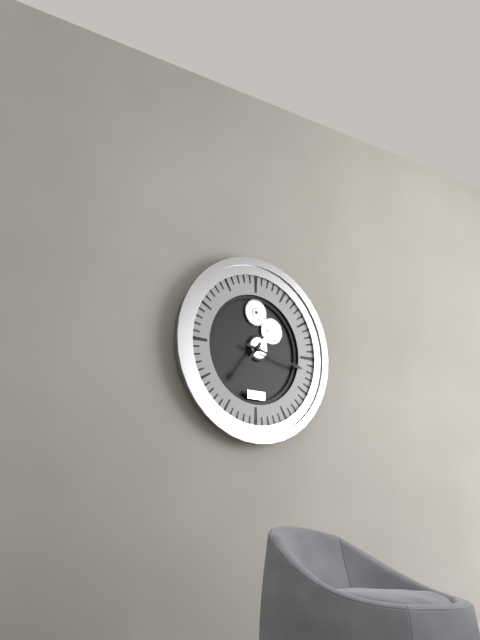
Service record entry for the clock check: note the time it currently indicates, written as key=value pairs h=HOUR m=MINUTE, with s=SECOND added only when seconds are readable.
h=7 m=17
